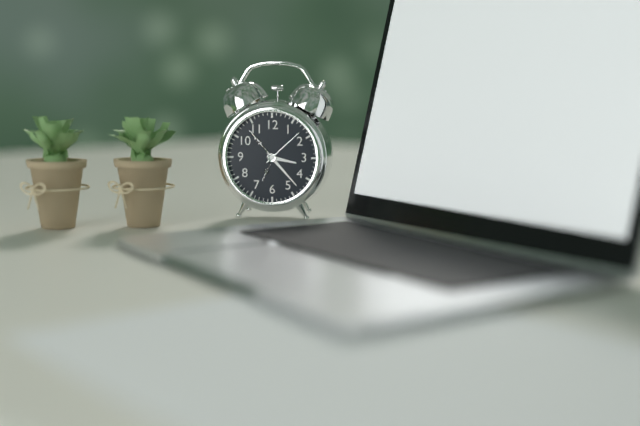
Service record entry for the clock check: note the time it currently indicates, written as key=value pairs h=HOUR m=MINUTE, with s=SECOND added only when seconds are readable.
h=3 m=23
